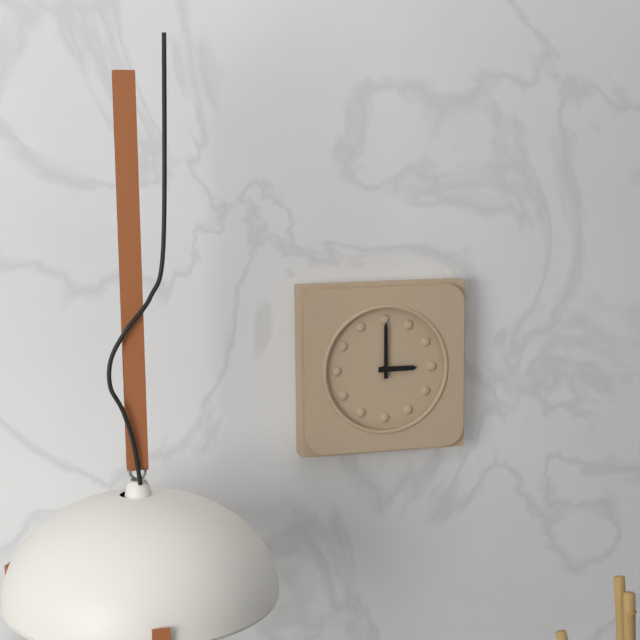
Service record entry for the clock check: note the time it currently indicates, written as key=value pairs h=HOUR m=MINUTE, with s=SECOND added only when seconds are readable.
h=3 m=0
